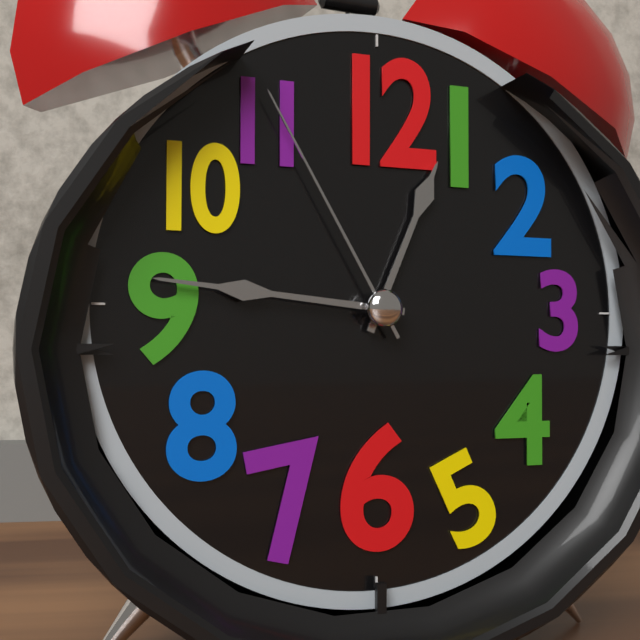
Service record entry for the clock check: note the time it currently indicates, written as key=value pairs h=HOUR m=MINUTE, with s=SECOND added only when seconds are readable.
h=12 m=46 s=55
